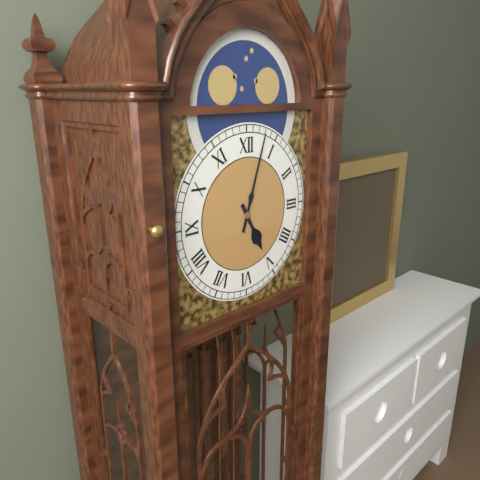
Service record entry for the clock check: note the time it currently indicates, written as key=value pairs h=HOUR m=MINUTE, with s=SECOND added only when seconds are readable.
h=5 m=3
